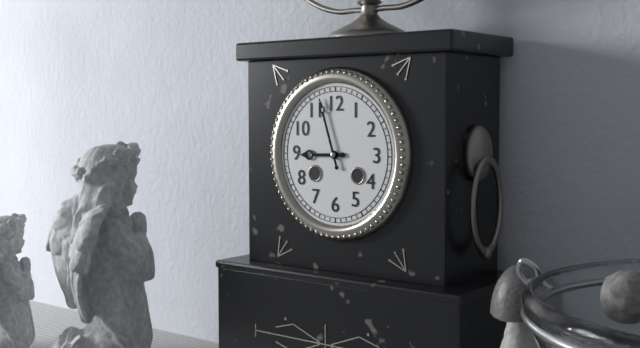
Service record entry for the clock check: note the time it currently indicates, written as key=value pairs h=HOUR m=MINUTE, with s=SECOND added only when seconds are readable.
h=8 m=57
